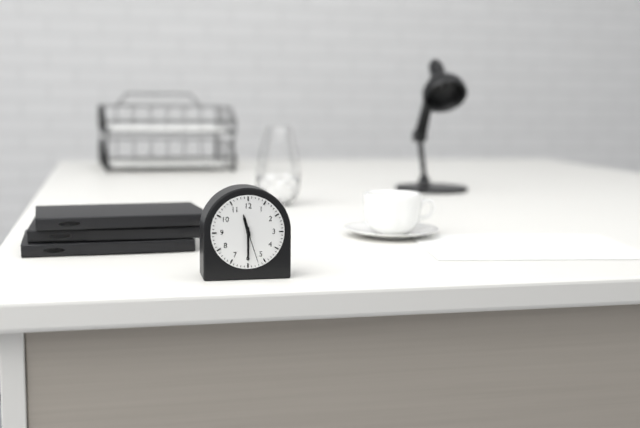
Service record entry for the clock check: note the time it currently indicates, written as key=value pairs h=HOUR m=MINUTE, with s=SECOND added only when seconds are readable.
h=11 m=30
